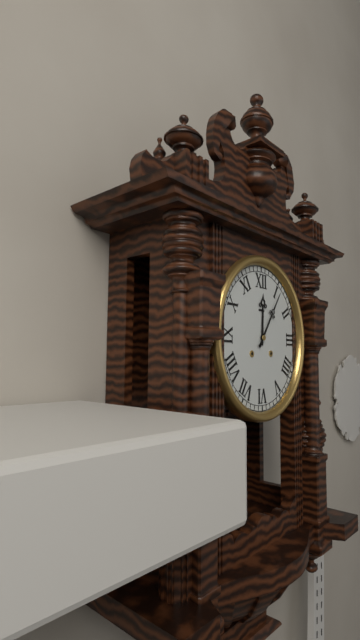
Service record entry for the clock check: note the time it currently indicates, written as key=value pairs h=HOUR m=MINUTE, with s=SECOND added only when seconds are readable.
h=12 m=6
